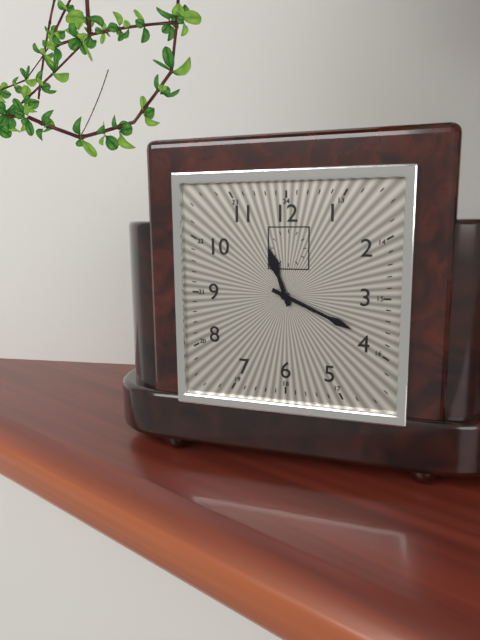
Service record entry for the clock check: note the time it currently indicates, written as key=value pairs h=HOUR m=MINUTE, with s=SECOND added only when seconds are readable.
h=11 m=19
